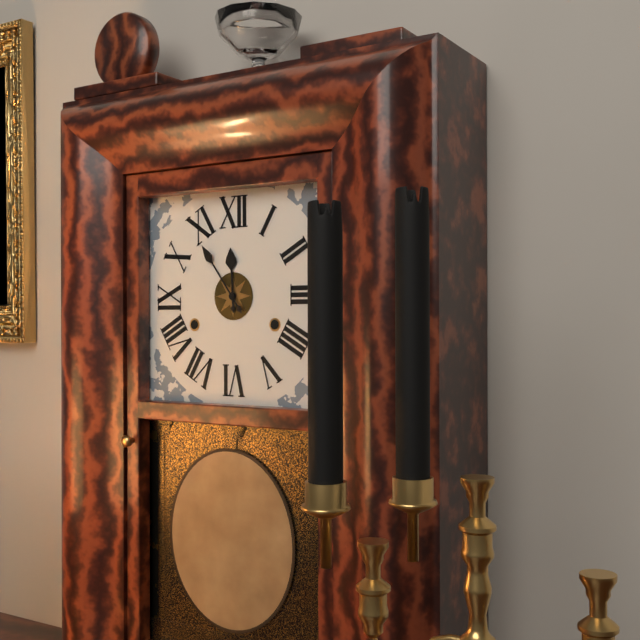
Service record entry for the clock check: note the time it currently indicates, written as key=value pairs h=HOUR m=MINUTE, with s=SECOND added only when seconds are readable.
h=11 m=54
